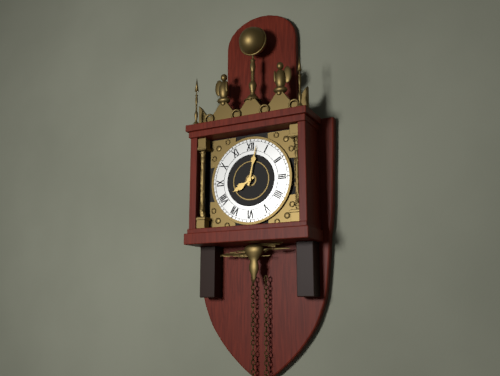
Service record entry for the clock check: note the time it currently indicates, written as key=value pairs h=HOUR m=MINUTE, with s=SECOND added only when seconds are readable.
h=8 m=2
